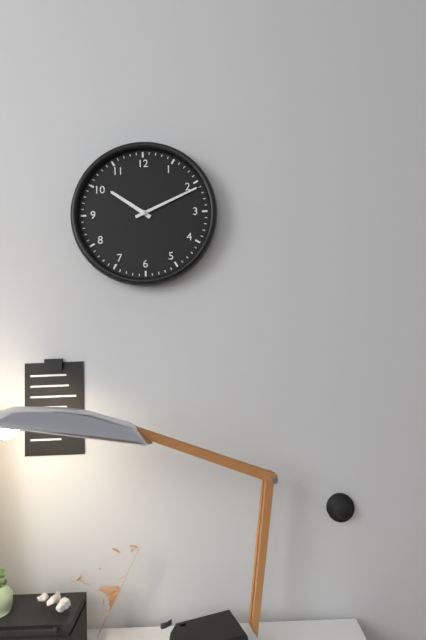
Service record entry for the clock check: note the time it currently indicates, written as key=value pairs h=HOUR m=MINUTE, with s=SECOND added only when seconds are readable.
h=10 m=11
